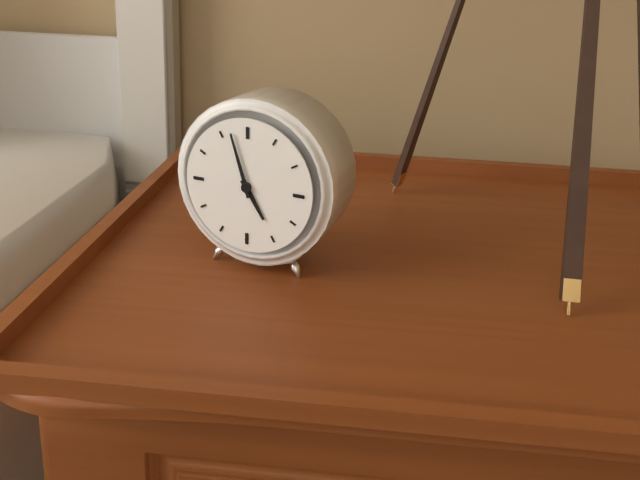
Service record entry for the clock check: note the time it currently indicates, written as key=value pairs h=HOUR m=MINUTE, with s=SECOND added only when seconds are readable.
h=4 m=57
